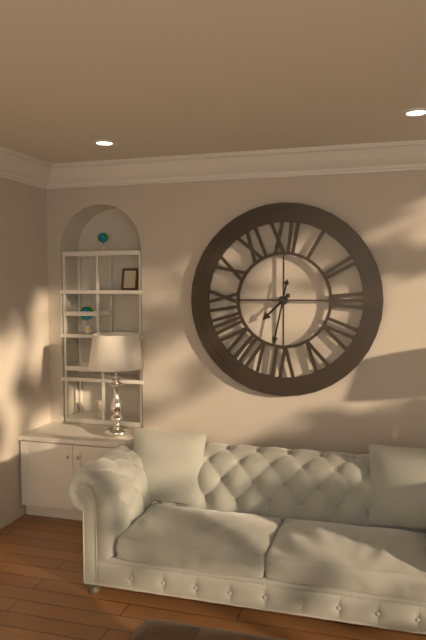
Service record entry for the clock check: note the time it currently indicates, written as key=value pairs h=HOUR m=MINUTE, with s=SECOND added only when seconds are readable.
h=7 m=32
